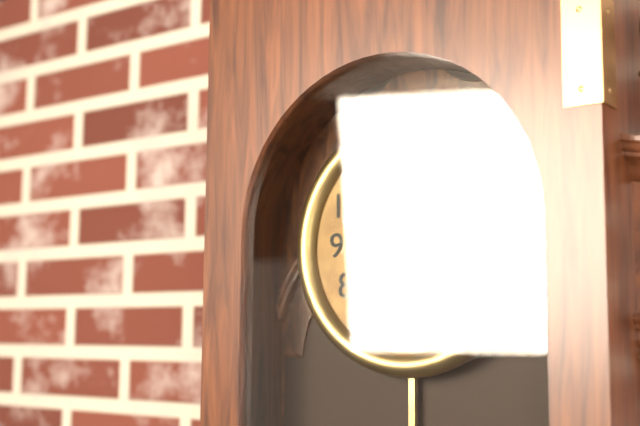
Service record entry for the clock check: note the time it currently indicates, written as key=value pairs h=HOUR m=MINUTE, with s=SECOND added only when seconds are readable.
h=11 m=55
